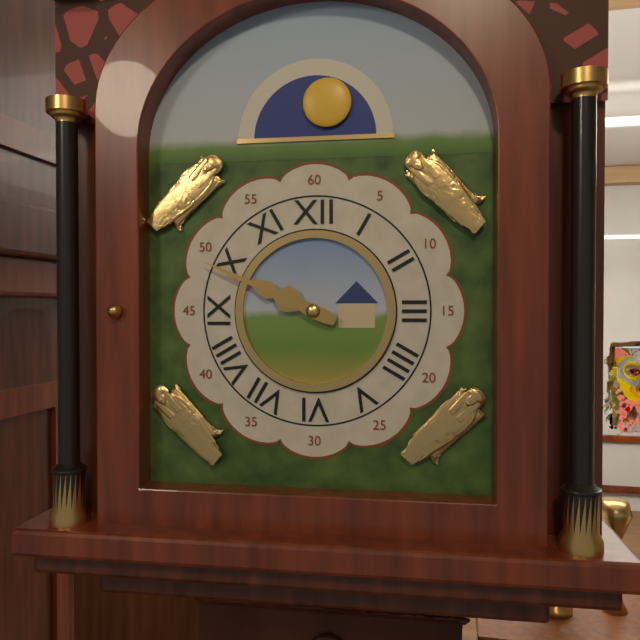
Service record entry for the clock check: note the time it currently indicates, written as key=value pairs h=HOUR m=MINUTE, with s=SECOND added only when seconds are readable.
h=9 m=49
